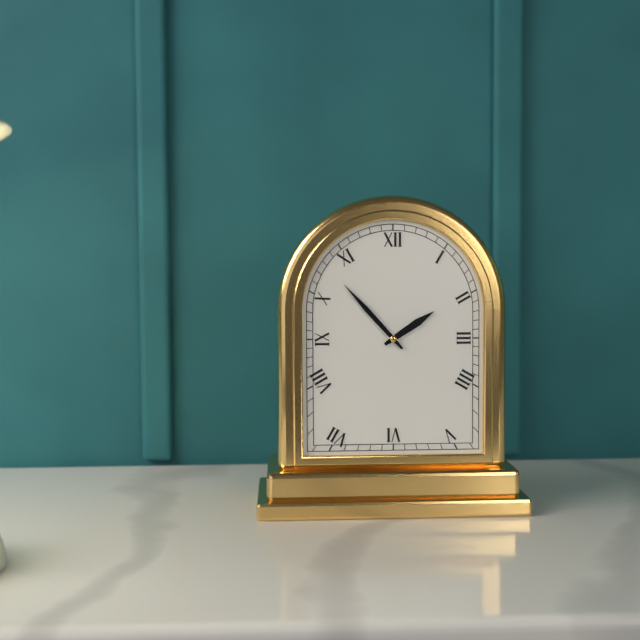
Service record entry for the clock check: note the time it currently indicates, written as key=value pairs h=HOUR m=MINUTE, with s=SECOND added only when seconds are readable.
h=1 m=53
